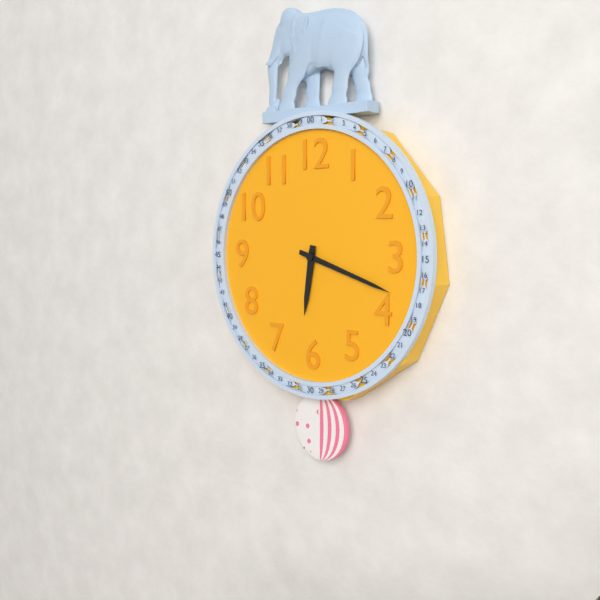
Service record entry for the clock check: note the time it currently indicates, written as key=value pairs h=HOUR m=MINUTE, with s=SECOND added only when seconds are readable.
h=6 m=18
